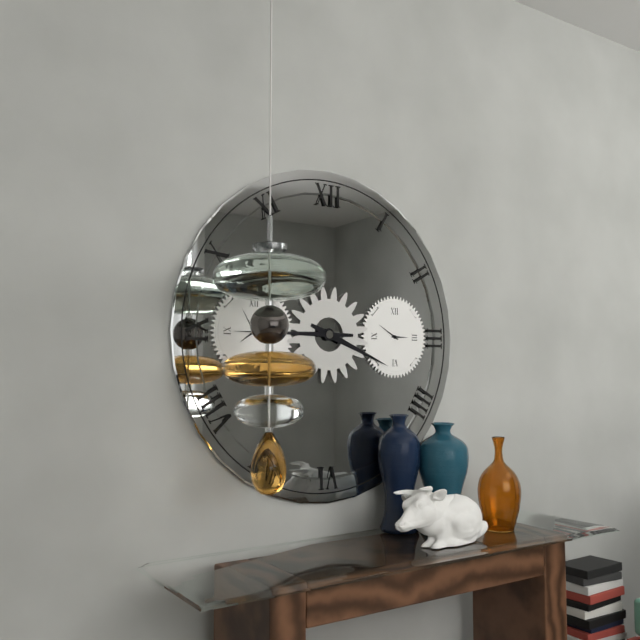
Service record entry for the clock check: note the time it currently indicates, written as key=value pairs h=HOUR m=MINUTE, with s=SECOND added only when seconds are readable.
h=3 m=45
